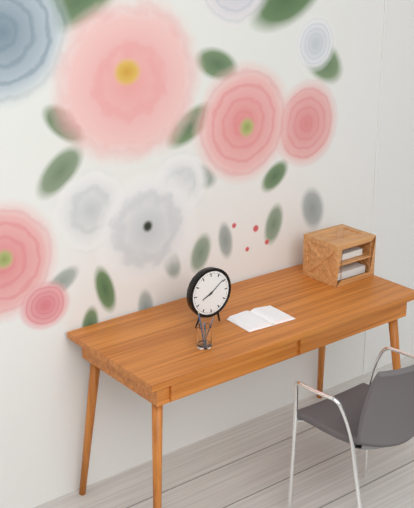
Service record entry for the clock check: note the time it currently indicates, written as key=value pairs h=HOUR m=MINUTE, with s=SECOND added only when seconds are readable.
h=8 m=9
